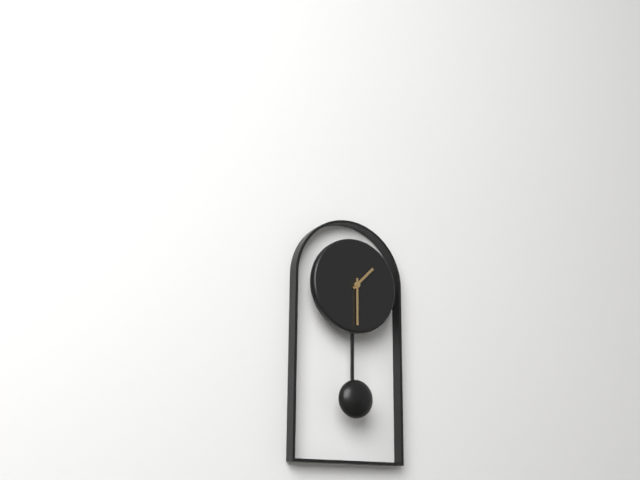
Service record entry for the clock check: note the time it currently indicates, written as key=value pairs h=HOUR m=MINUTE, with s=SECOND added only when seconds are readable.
h=1 m=30
